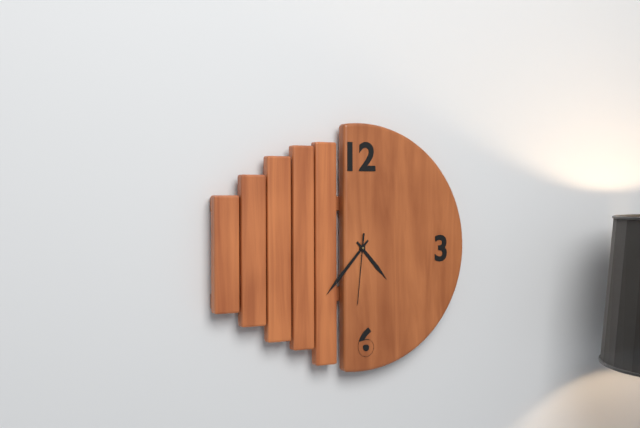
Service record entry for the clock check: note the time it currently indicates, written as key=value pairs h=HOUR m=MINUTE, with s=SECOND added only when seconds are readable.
h=4 m=37 s=31
